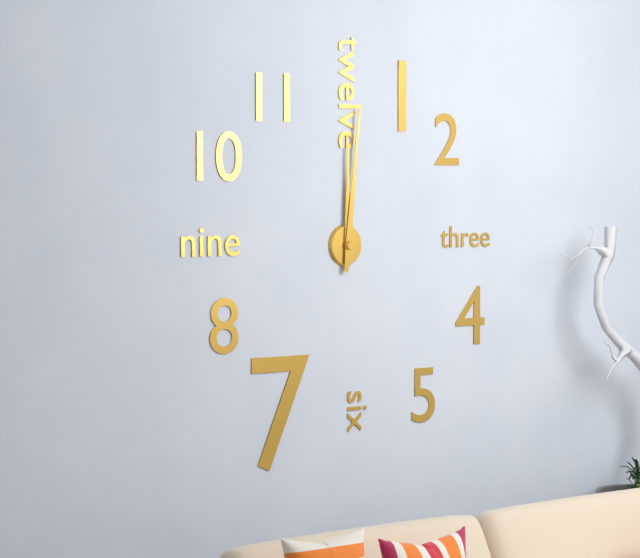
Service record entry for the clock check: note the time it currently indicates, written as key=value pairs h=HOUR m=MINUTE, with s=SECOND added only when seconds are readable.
h=12 m=1
